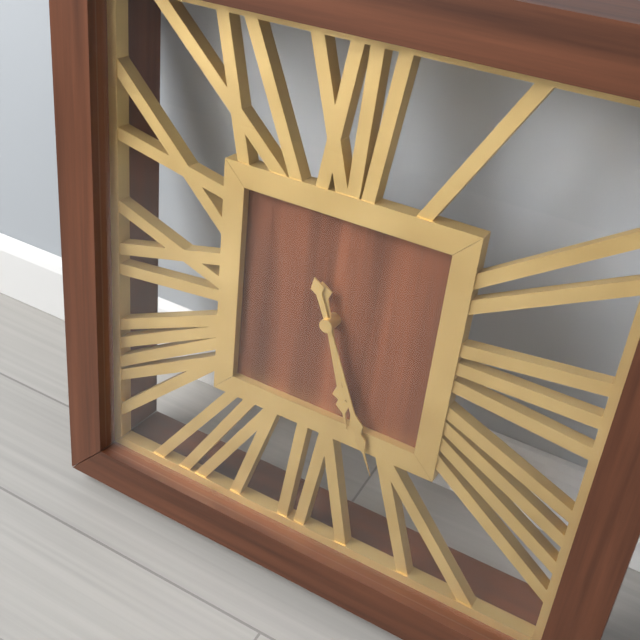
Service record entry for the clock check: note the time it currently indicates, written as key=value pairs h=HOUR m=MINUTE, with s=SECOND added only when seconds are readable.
h=5 m=26
